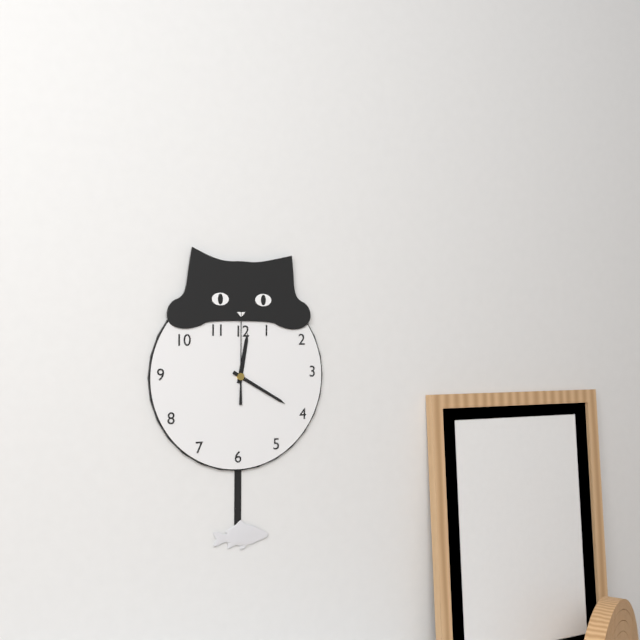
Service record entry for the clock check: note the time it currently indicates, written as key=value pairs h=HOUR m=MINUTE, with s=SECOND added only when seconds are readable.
h=12 m=20 s=0
